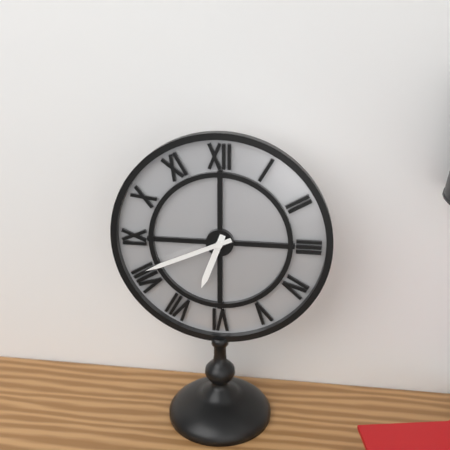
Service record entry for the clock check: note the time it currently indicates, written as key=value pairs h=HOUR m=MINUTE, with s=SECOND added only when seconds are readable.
h=6 m=41
